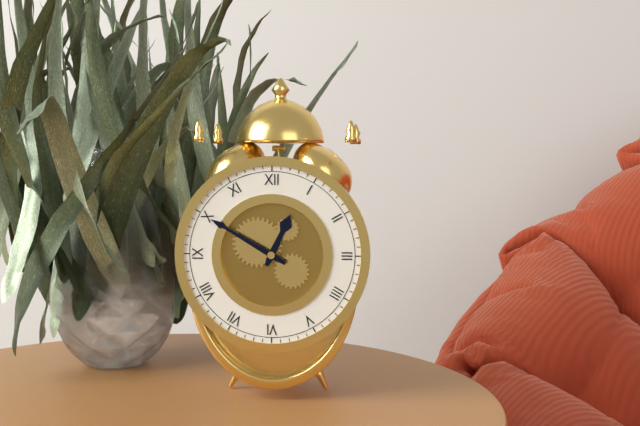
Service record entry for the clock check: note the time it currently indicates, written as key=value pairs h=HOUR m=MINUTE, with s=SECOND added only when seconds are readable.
h=12 m=50
